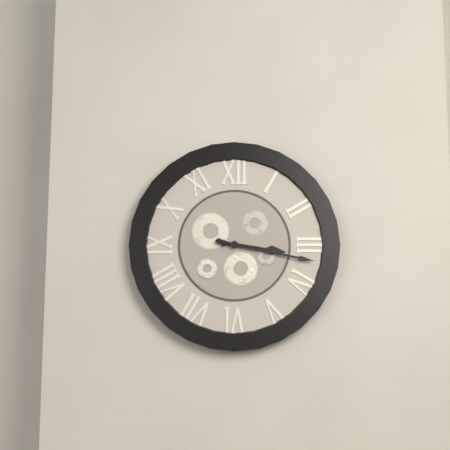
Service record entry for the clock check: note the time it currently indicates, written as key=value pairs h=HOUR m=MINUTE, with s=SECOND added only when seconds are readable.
h=3 m=17
